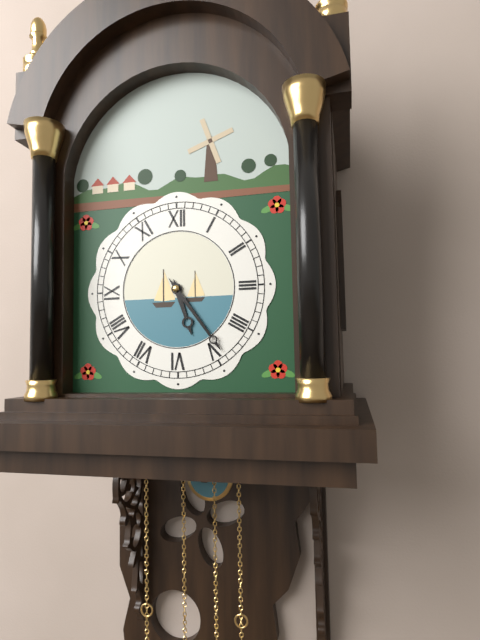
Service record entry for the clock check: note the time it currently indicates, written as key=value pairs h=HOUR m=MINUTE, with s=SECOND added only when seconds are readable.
h=5 m=24
